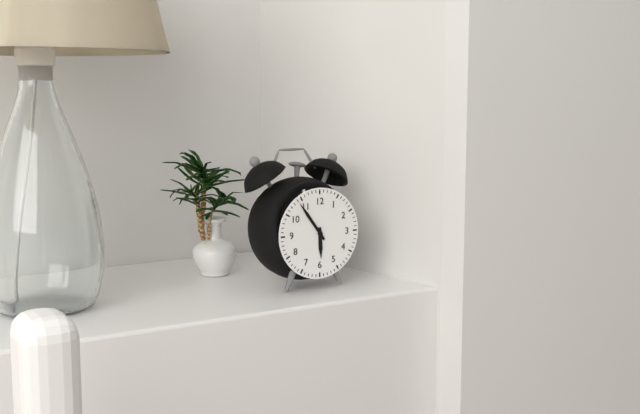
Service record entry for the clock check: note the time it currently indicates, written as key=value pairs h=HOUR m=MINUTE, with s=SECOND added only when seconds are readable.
h=5 m=54
